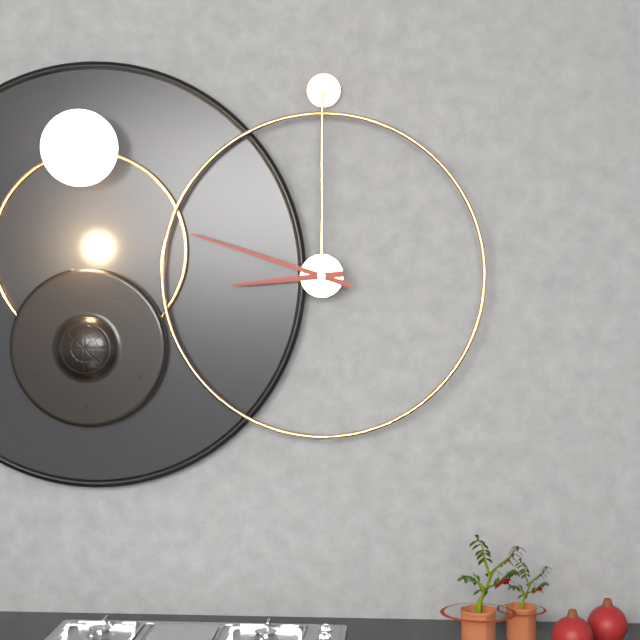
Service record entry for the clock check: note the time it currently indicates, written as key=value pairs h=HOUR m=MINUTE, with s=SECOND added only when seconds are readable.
h=8 m=48
